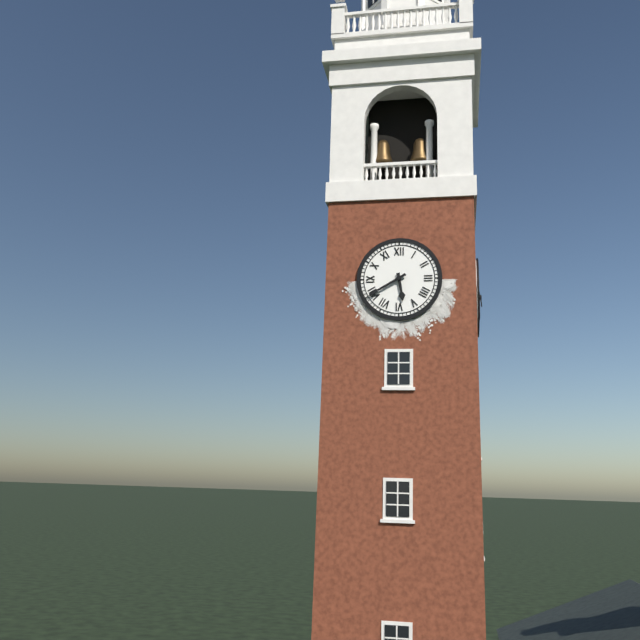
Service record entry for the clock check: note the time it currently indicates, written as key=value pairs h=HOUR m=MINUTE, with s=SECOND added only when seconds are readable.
h=5 m=40
